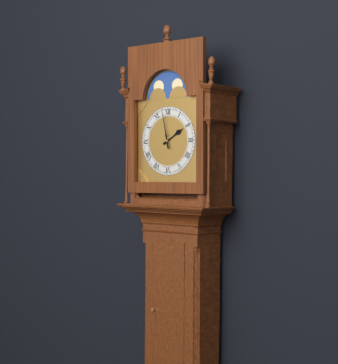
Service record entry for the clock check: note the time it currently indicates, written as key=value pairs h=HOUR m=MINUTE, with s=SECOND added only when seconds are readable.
h=1 m=58
